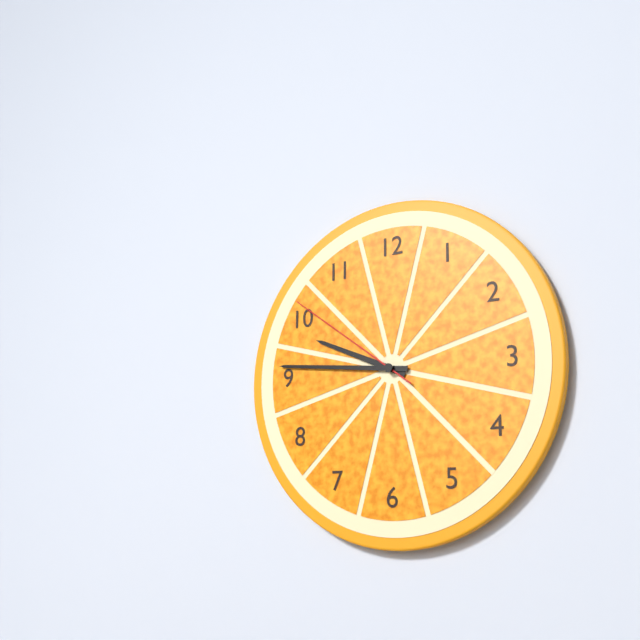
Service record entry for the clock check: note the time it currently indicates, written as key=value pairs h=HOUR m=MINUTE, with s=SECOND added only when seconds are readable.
h=9 m=46 s=51
